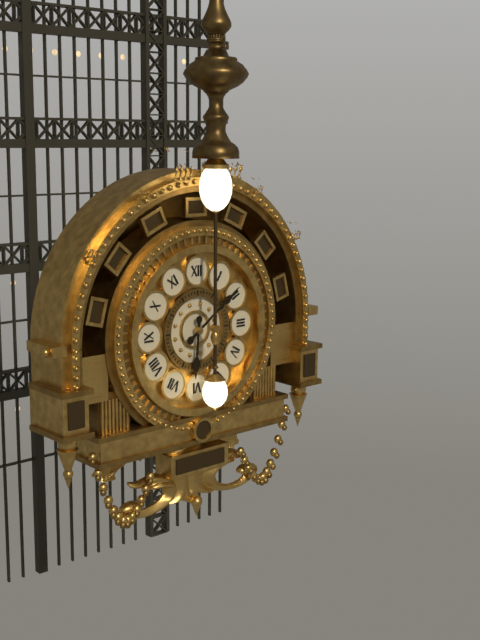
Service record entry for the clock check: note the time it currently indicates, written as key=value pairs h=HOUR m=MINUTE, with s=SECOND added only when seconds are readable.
h=6 m=9
